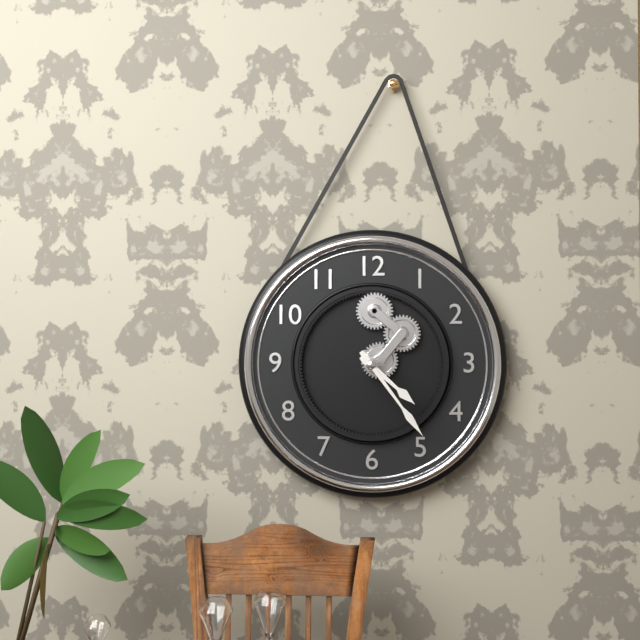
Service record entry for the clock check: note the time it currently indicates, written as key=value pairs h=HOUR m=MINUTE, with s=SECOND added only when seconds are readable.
h=4 m=24
